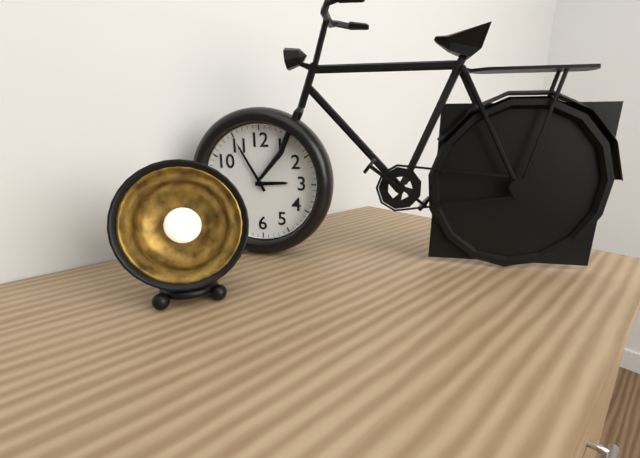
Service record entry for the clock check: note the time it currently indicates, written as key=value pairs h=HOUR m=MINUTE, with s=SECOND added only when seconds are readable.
h=2 m=55
